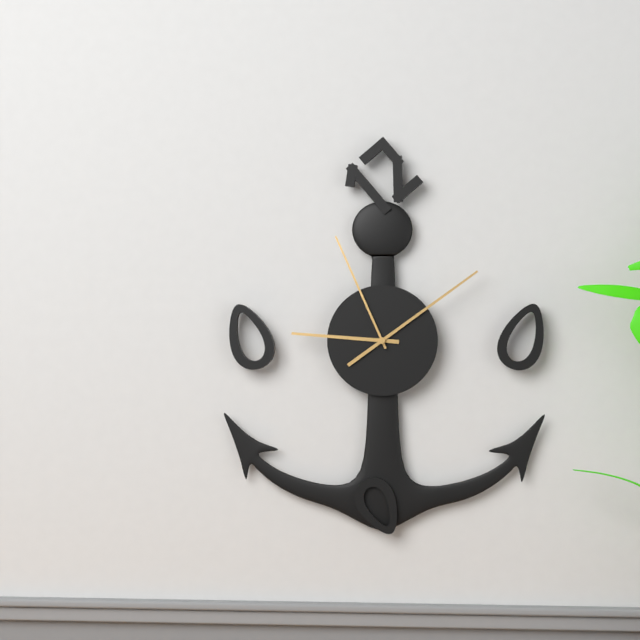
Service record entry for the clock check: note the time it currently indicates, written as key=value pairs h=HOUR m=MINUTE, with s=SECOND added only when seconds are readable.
h=9 m=9 s=56
